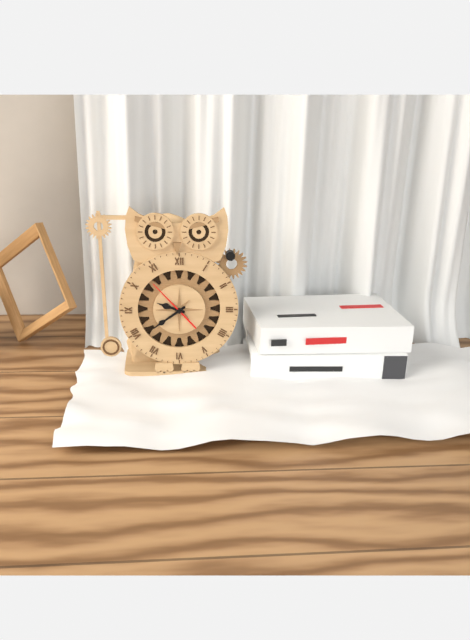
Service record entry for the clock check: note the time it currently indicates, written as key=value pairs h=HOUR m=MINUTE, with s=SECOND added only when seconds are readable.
h=9 m=39
